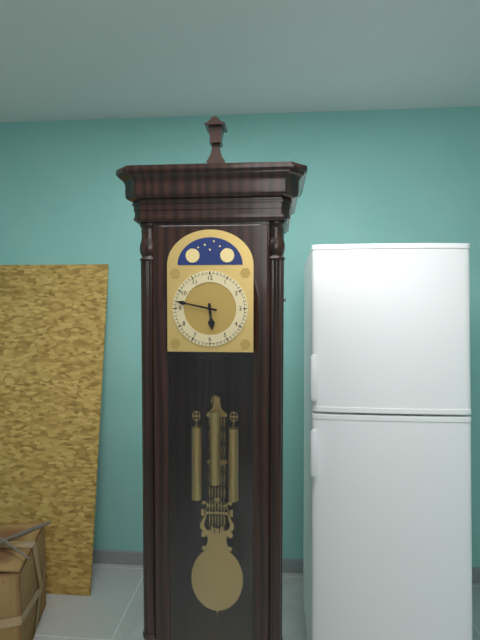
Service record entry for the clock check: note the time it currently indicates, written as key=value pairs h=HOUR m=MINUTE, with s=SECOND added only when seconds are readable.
h=5 m=47
